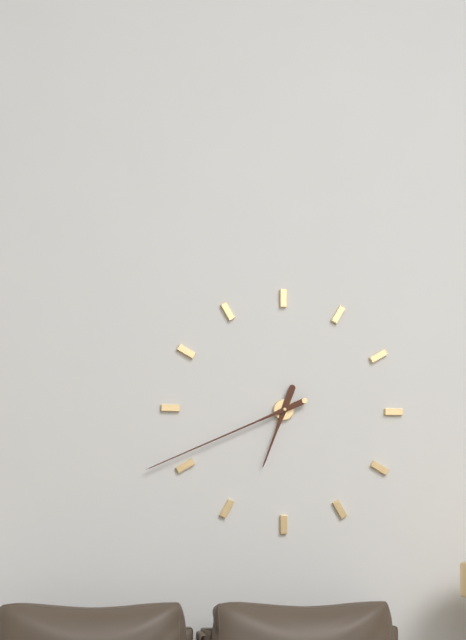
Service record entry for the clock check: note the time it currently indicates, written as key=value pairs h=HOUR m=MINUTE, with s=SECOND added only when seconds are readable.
h=6 m=41
